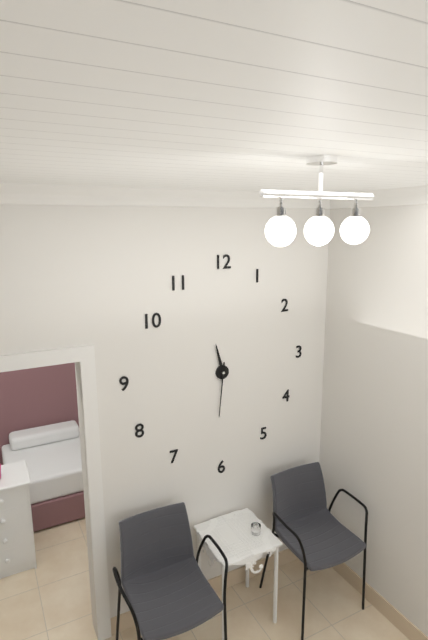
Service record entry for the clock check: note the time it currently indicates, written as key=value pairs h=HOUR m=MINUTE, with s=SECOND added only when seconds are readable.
h=11 m=31
